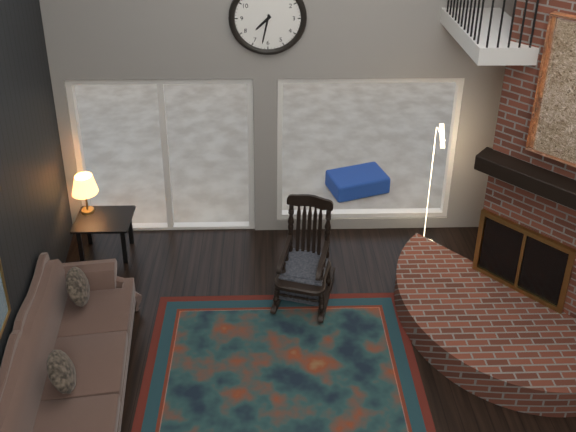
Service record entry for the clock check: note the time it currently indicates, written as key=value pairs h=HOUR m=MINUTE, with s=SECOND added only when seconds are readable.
h=7 m=32
